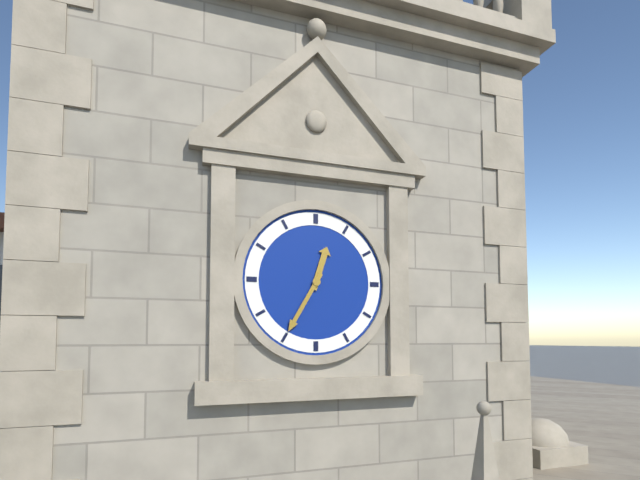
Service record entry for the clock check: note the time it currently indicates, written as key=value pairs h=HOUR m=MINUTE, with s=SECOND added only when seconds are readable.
h=12 m=35
